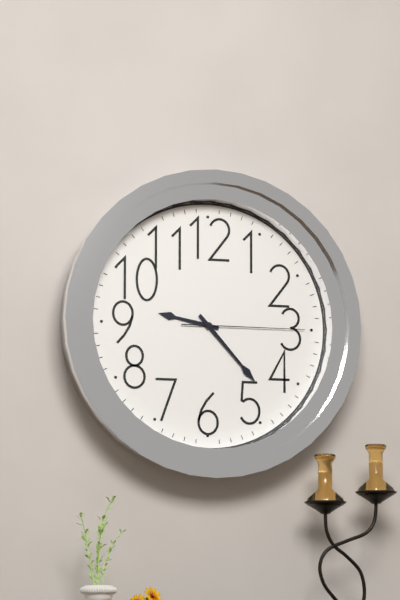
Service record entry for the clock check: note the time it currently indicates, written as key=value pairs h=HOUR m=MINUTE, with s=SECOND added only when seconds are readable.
h=9 m=23 s=15
